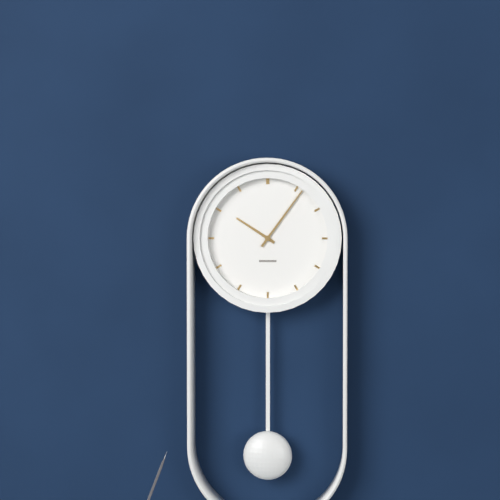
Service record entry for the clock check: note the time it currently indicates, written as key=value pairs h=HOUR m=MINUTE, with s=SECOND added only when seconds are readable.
h=10 m=6
